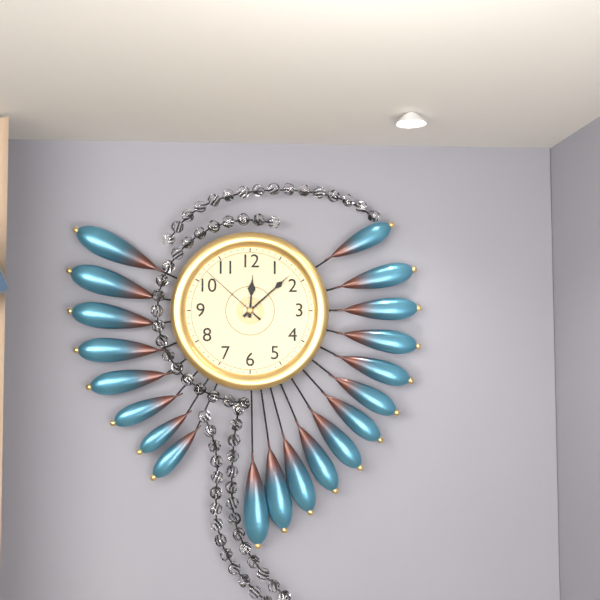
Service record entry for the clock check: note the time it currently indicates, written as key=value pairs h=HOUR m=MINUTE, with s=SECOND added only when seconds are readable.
h=12 m=8 s=52
